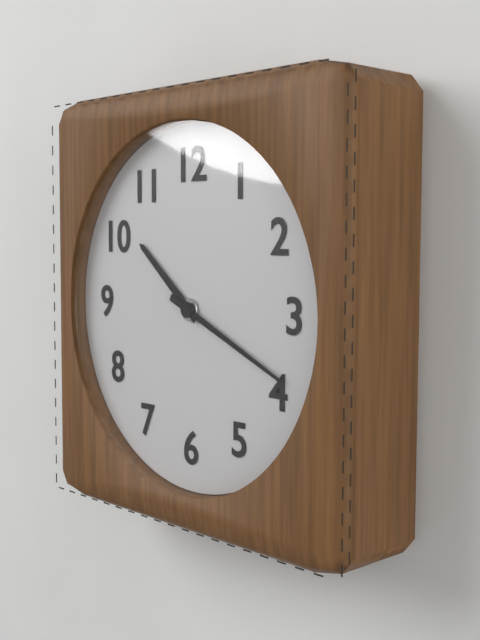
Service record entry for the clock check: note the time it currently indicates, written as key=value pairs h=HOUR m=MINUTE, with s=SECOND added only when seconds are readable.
h=10 m=19
